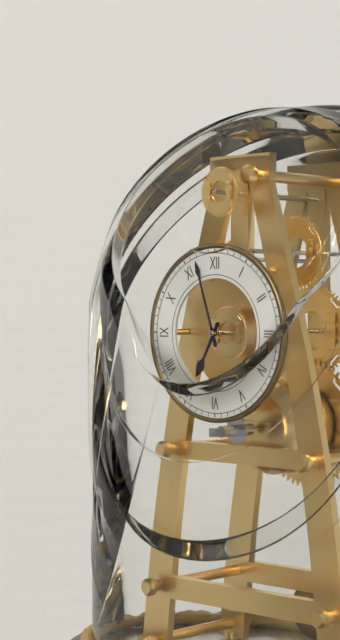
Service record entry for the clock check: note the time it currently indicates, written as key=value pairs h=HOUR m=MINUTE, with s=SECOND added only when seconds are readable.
h=6 m=57
